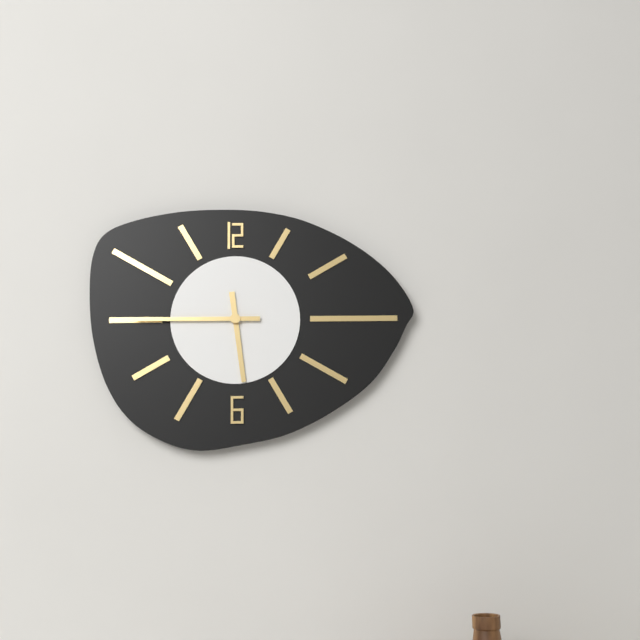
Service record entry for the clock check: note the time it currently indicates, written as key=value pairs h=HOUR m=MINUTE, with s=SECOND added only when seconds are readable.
h=5 m=45
